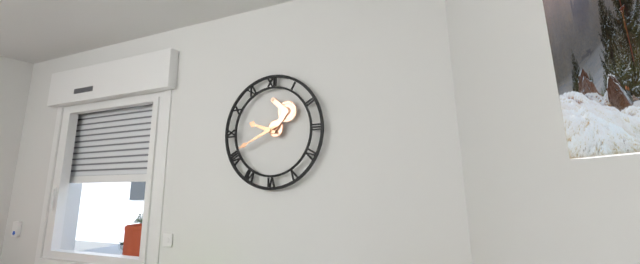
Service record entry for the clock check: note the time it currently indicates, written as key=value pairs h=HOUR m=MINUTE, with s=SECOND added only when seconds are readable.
h=9 m=41
